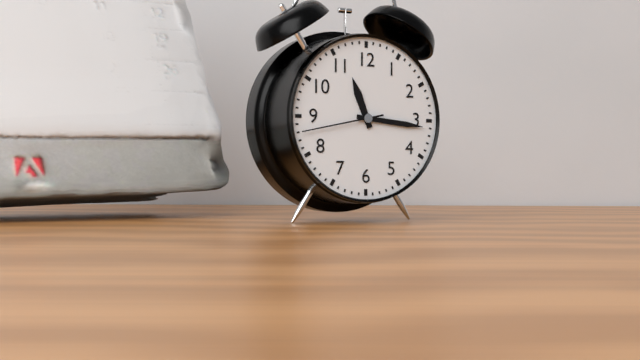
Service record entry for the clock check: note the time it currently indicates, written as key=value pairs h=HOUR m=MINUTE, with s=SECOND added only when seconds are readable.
h=11 m=16 s=43
